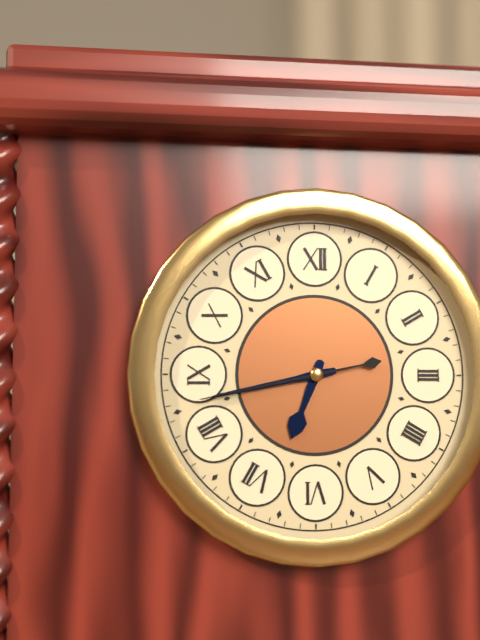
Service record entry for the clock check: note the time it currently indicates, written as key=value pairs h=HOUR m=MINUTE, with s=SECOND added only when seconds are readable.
h=6 m=43 s=43
